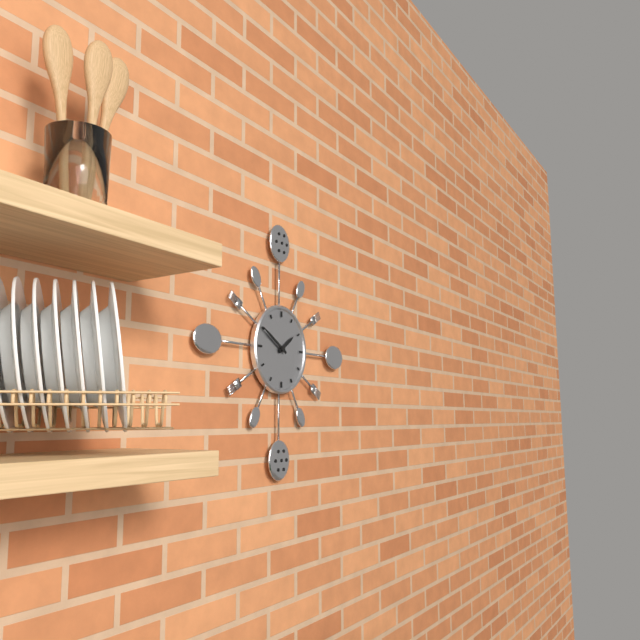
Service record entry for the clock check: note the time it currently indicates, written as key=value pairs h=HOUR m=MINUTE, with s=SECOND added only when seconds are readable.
h=1 m=50
